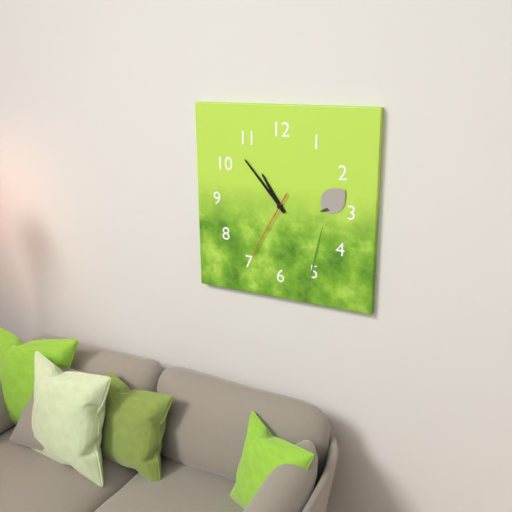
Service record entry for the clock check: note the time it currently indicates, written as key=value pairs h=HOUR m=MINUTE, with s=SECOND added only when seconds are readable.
h=10 m=53 s=35
